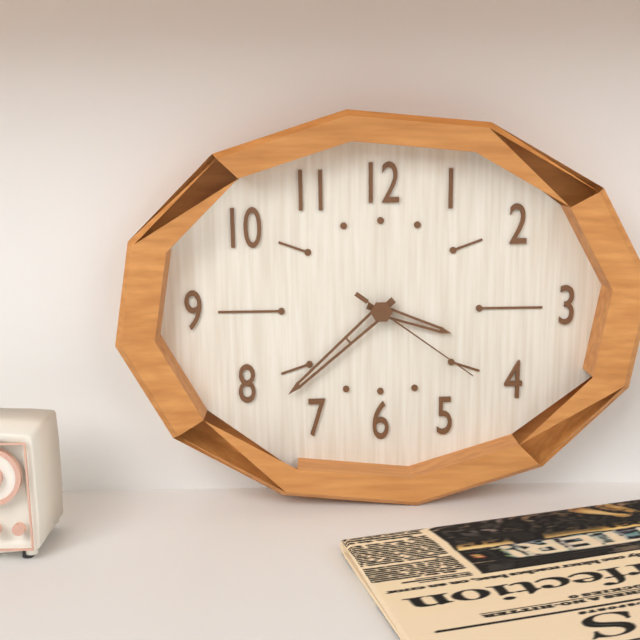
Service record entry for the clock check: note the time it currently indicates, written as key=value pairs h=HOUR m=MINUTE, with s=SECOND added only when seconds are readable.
h=3 m=38 s=21
